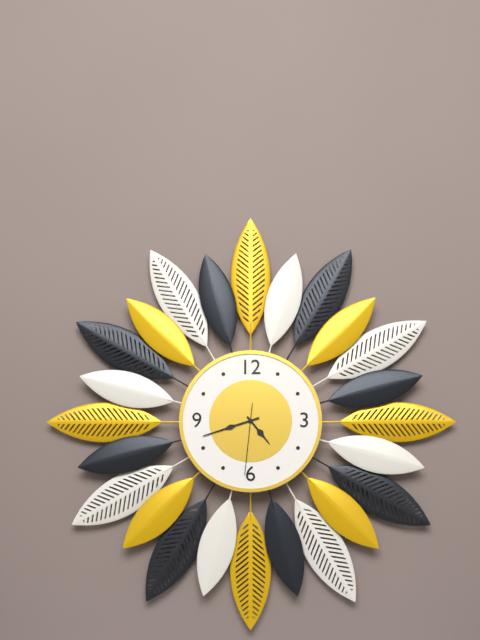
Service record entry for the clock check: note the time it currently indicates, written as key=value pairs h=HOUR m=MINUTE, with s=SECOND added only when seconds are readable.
h=4 m=42 s=31
